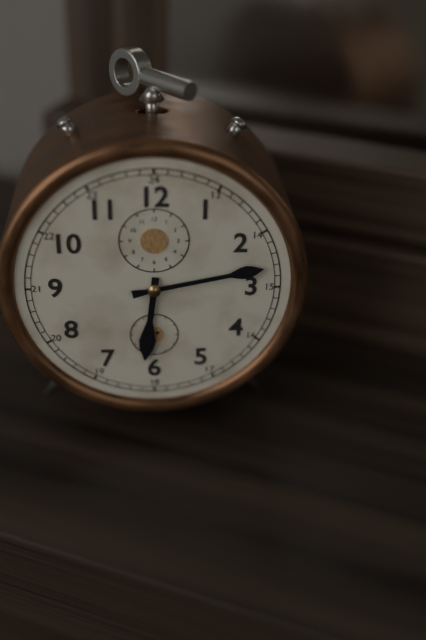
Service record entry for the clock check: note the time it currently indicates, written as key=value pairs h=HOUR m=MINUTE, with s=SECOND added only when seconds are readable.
h=6 m=13
